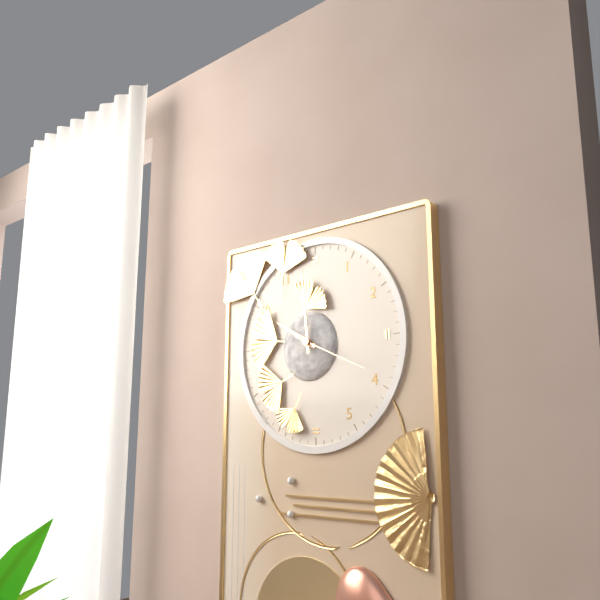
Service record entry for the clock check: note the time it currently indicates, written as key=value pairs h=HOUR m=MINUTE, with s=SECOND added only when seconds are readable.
h=9 m=59 s=19
